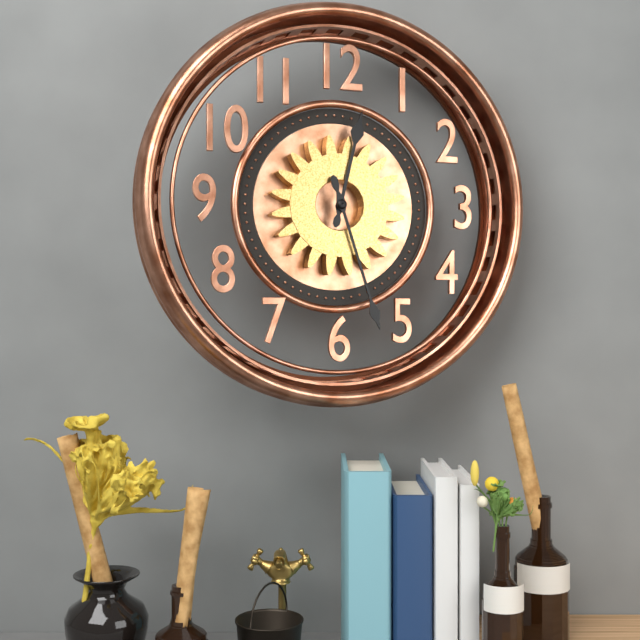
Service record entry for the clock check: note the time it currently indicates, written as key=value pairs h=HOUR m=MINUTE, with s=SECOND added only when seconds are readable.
h=12 m=27
